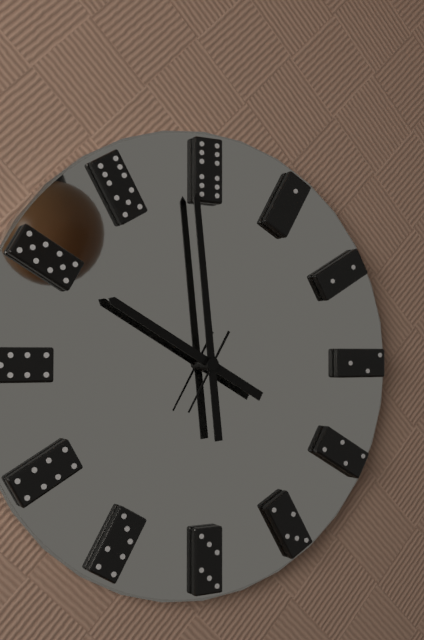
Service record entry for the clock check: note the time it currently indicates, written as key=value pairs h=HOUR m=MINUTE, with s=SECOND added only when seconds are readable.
h=9 m=59 s=35
